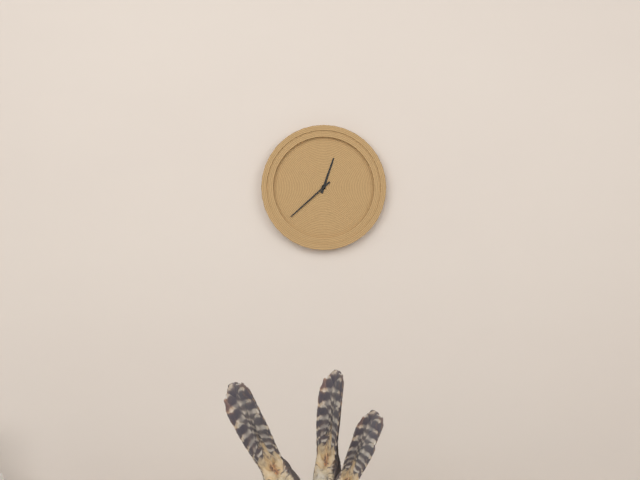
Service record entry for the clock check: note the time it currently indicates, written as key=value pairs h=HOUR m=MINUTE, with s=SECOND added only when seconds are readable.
h=12 m=38
